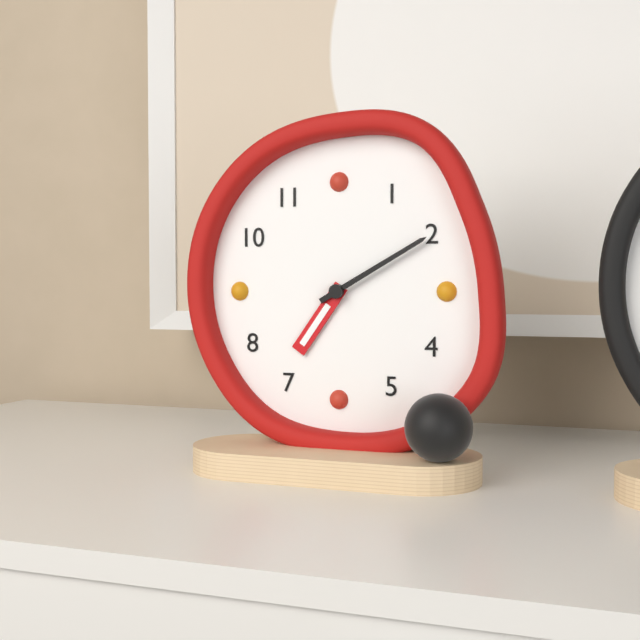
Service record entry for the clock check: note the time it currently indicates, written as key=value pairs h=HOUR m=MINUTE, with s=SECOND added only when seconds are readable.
h=7 m=10
